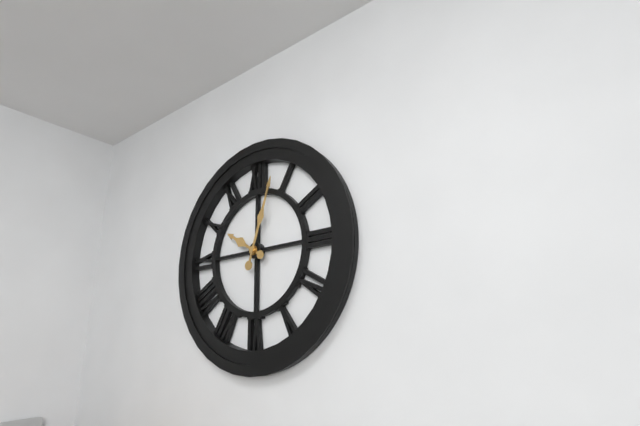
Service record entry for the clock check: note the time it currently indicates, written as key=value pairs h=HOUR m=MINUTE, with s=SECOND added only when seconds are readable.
h=10 m=3
